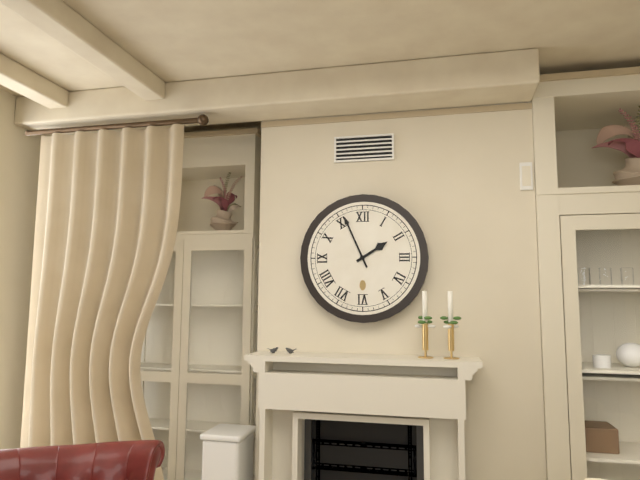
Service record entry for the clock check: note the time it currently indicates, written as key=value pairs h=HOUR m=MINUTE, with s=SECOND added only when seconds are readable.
h=1 m=56
